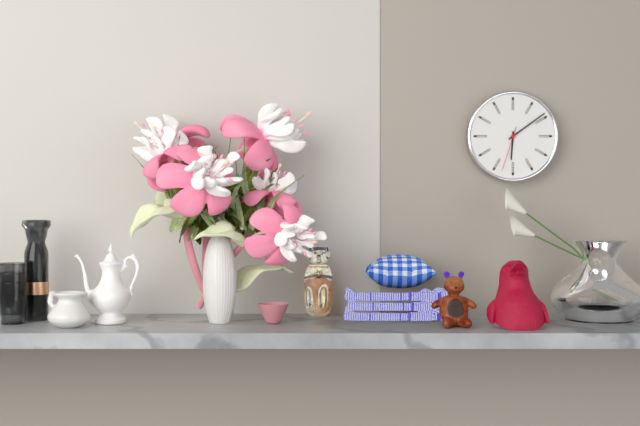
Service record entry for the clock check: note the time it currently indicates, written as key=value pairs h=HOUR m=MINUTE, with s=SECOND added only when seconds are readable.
h=6 m=9
